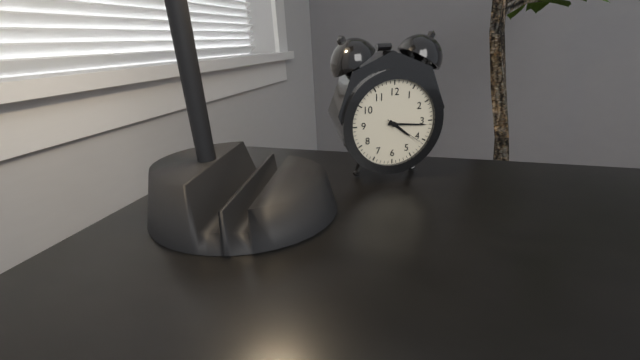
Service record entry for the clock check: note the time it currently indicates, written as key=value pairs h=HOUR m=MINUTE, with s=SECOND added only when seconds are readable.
h=4 m=16
